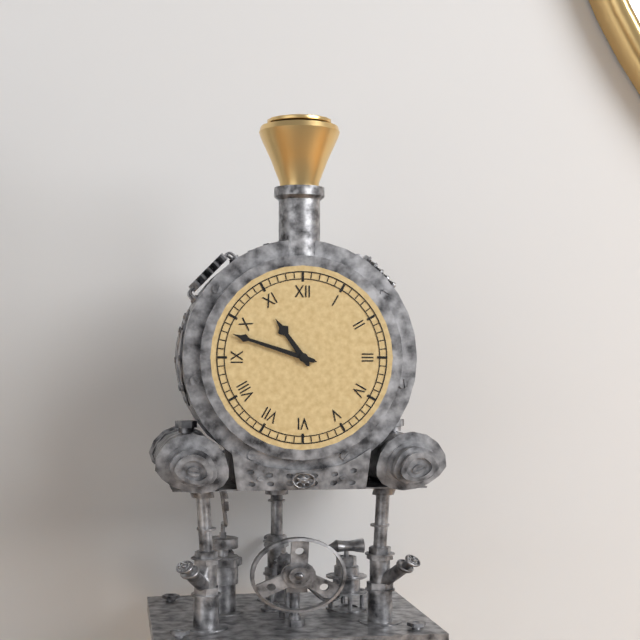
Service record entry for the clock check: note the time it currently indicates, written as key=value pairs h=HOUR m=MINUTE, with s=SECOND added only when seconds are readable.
h=10 m=48
